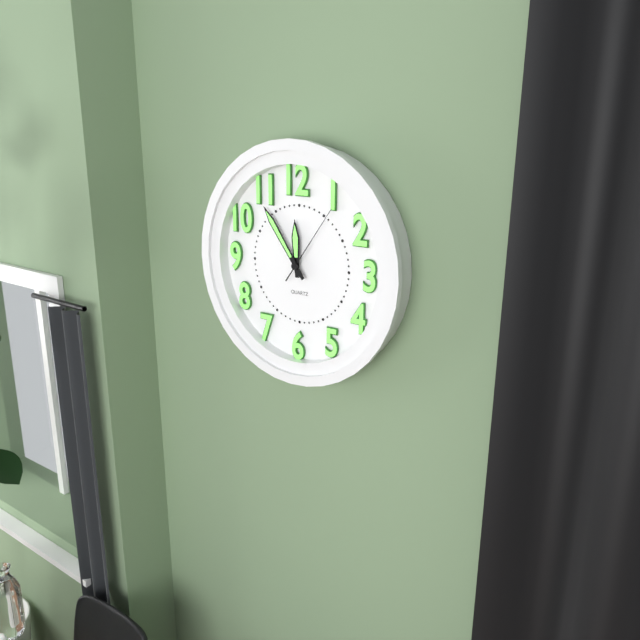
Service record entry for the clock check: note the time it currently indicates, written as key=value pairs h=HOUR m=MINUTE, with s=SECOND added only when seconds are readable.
h=11 m=54 s=6
